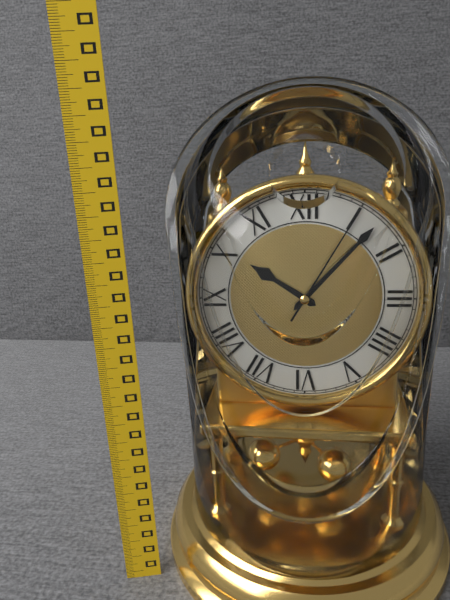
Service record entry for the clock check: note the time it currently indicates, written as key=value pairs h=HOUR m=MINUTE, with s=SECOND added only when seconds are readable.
h=10 m=7 s=5
